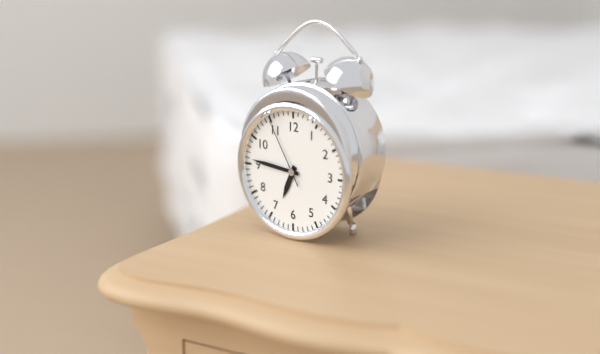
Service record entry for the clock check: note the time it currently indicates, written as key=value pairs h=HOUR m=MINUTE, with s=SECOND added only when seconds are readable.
h=6 m=46 s=55
